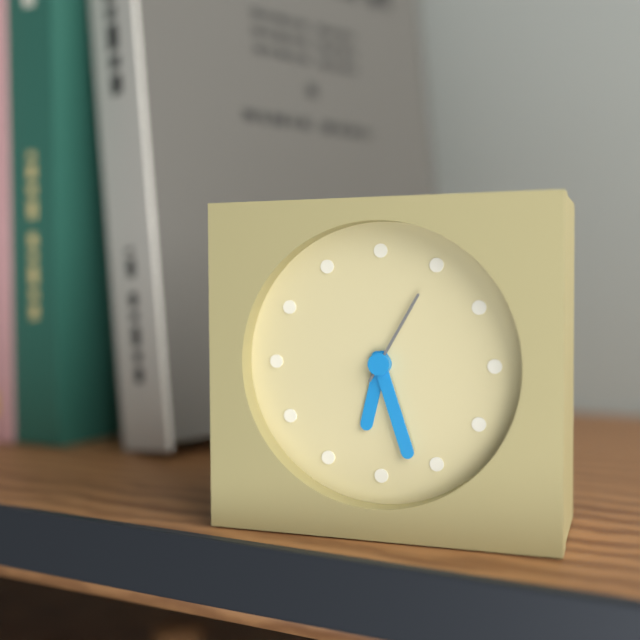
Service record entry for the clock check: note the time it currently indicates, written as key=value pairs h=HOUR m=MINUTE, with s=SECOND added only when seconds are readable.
h=6 m=27 s=5
